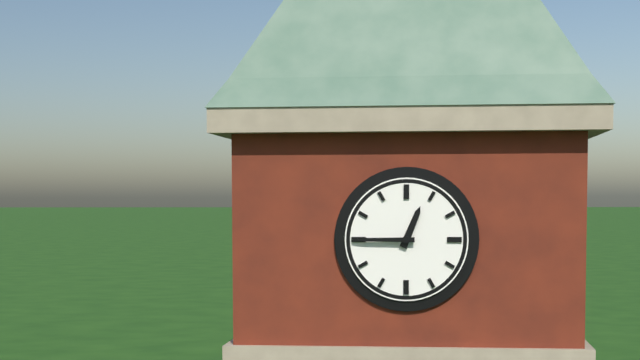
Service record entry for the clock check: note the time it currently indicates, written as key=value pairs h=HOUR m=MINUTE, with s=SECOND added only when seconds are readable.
h=12 m=45
